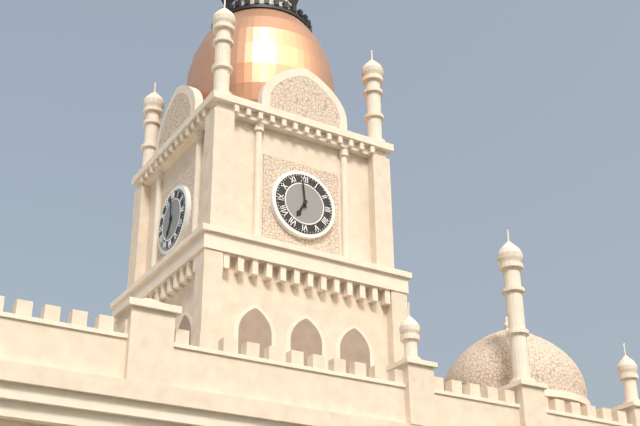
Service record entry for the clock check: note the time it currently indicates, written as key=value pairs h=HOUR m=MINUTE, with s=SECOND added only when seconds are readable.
h=6 m=59
